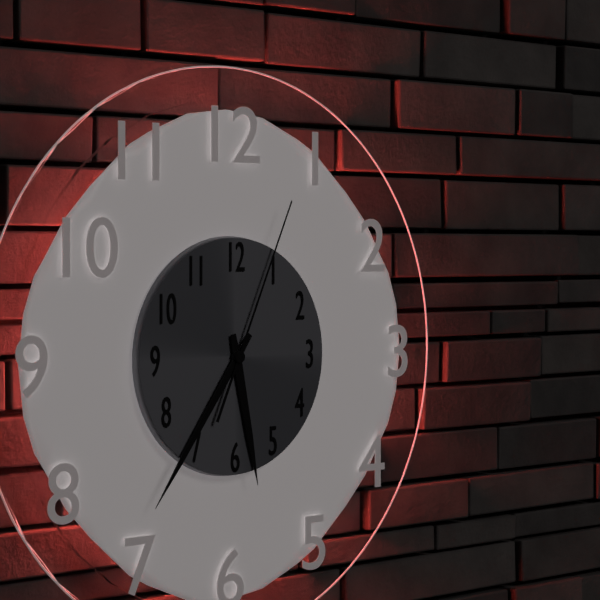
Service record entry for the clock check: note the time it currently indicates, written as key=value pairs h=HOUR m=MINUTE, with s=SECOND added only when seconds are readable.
h=5 m=36 s=4
